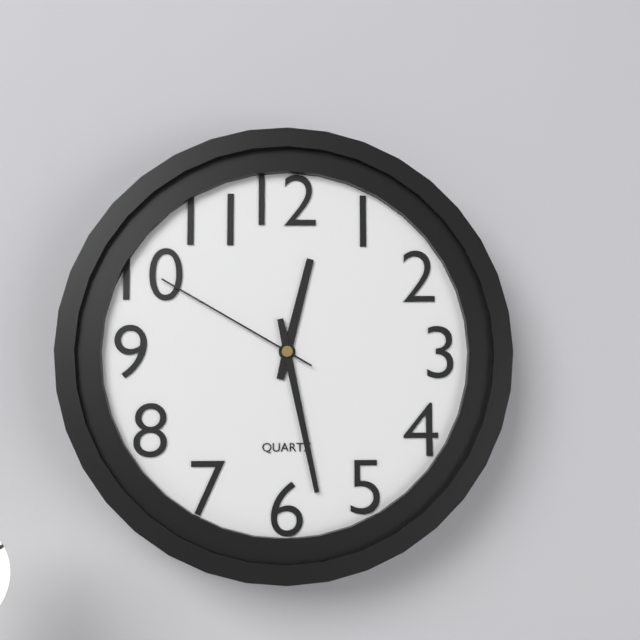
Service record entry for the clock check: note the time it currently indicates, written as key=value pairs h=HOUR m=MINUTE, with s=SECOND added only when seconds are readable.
h=12 m=28 s=50
